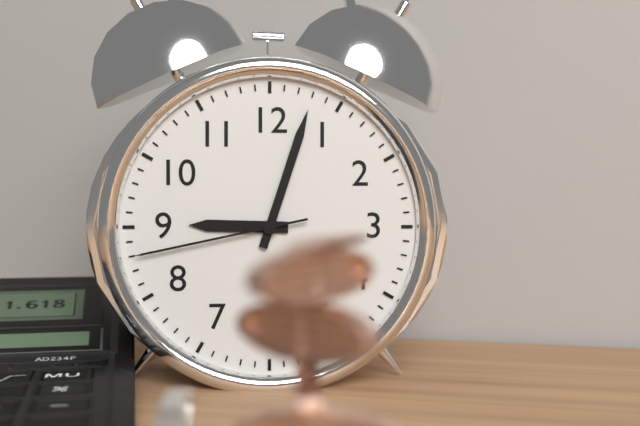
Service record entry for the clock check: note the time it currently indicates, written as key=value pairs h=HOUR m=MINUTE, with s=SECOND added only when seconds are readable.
h=9 m=3 s=43
